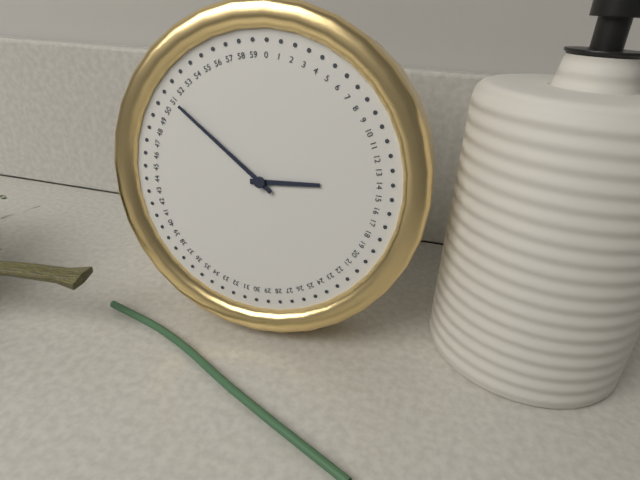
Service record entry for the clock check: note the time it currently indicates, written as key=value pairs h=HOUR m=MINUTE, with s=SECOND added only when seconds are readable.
h=2 m=51
